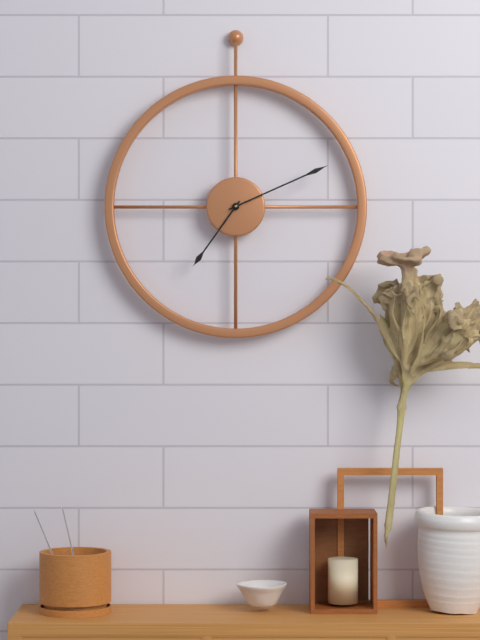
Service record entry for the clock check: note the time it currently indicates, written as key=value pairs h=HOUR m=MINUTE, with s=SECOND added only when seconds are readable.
h=7 m=11
